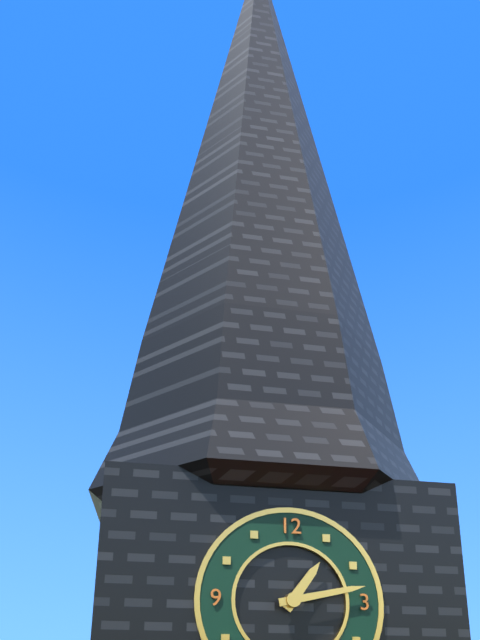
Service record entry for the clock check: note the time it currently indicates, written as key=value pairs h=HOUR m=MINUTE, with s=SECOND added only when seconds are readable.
h=1 m=13
